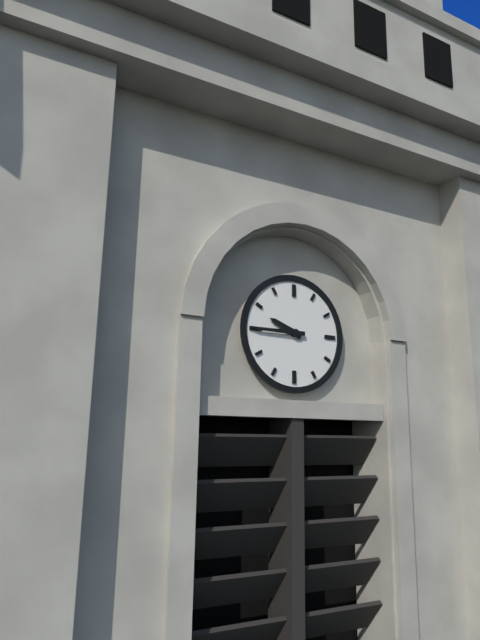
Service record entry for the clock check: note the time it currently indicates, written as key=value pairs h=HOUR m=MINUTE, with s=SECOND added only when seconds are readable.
h=9 m=45
